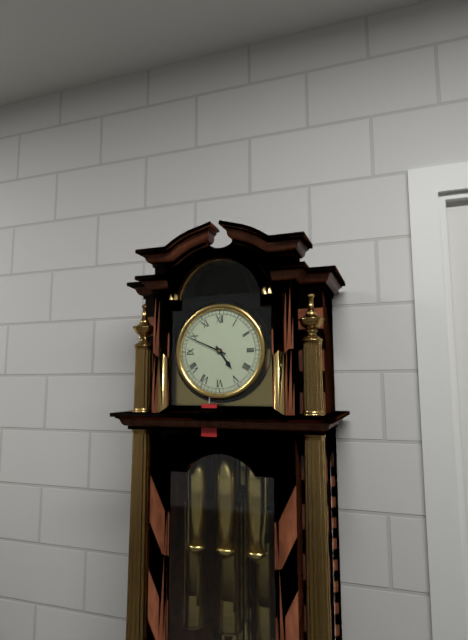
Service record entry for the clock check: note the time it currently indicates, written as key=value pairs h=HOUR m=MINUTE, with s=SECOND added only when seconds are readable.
h=4 m=49
